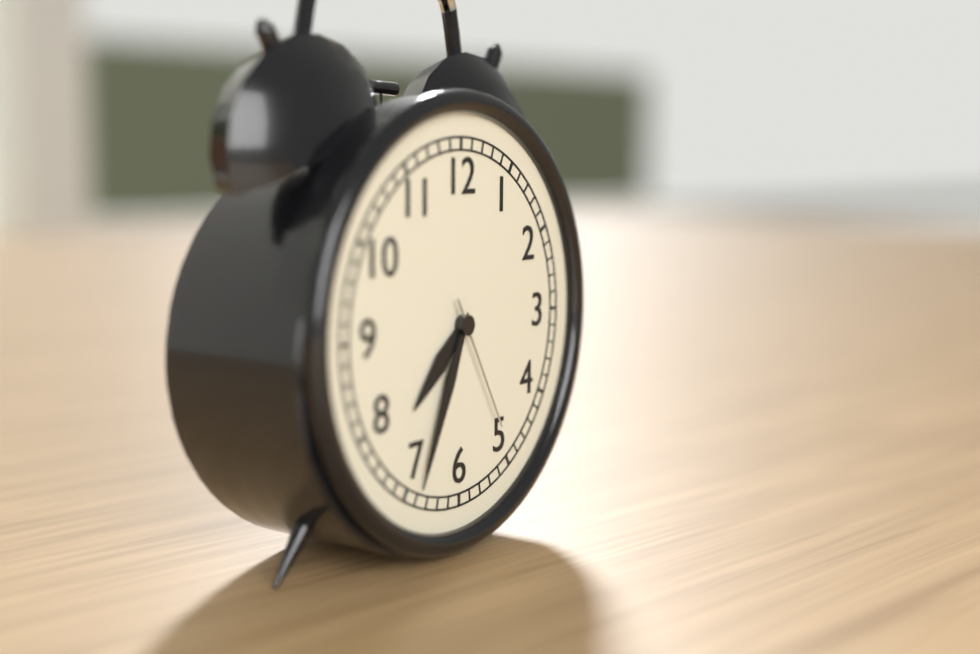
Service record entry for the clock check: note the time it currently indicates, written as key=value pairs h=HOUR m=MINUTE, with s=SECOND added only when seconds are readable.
h=7 m=34 s=25
